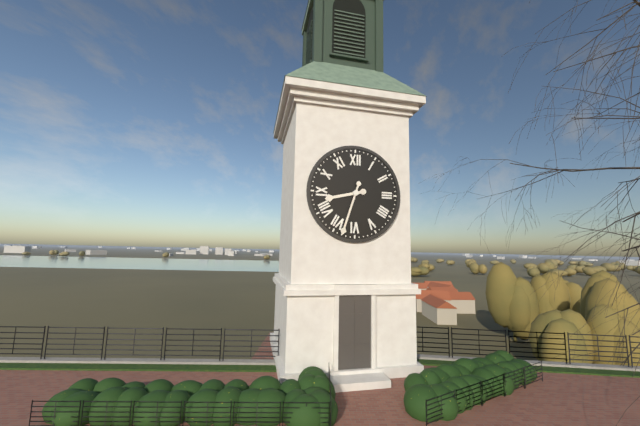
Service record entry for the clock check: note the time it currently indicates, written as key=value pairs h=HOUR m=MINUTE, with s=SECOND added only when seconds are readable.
h=8 m=33
